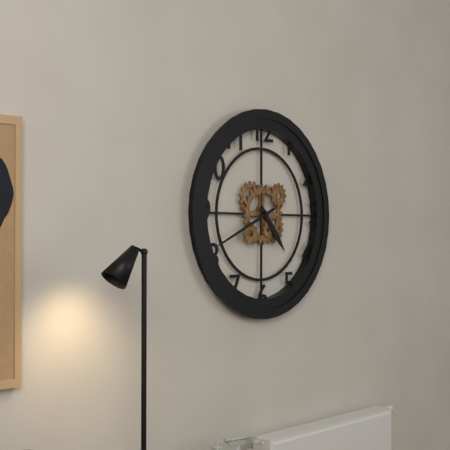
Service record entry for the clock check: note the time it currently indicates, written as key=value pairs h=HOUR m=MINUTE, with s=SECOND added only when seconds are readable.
h=4 m=41
